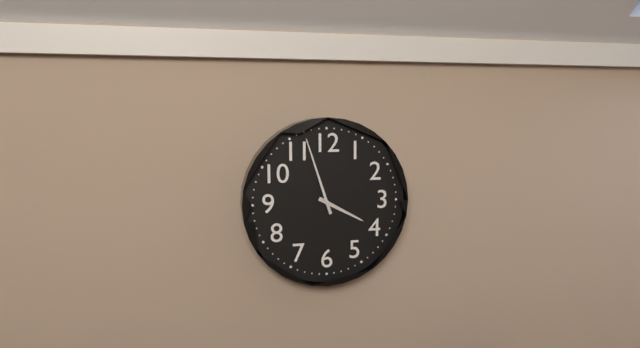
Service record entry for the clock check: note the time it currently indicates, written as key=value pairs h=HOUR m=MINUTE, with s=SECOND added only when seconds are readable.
h=3 m=57
